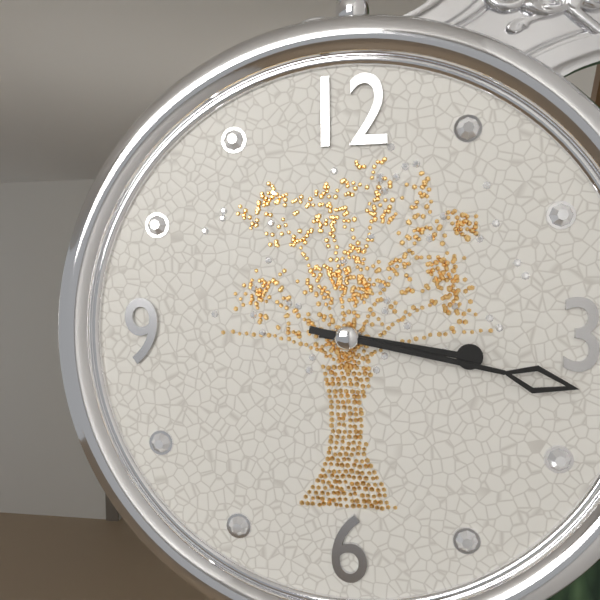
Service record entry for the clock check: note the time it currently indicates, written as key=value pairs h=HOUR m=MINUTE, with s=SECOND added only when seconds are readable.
h=3 m=17
